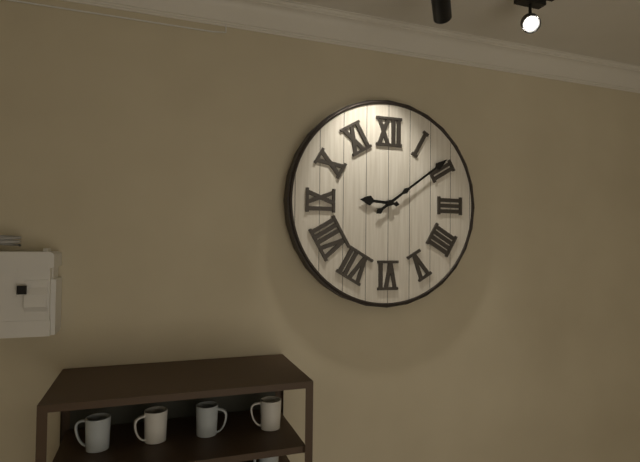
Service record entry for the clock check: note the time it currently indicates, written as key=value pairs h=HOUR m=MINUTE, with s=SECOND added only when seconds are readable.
h=9 m=9
